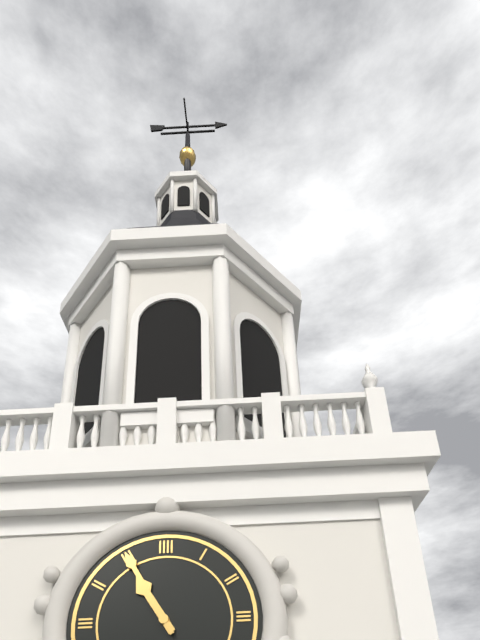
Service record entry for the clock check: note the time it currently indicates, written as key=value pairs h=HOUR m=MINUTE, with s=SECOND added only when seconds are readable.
h=10 m=55
